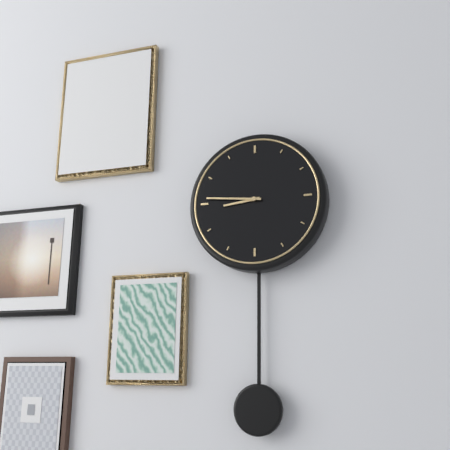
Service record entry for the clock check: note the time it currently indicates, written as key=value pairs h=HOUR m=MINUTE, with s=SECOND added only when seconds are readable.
h=8 m=46
